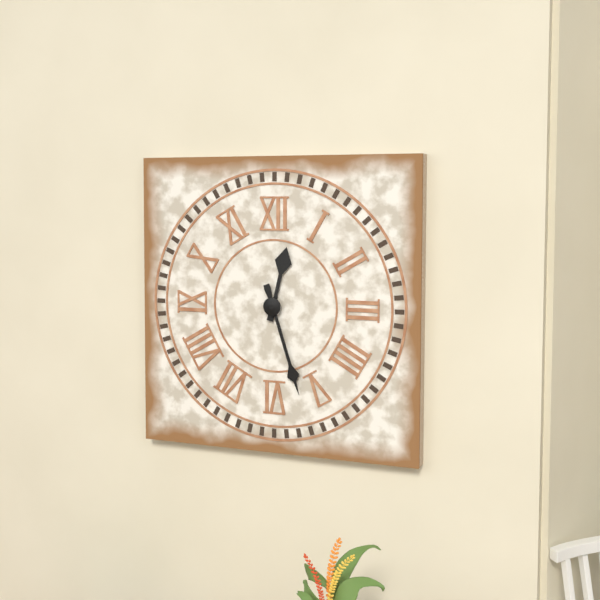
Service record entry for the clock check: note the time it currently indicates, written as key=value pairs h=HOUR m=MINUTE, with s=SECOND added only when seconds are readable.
h=12 m=27
